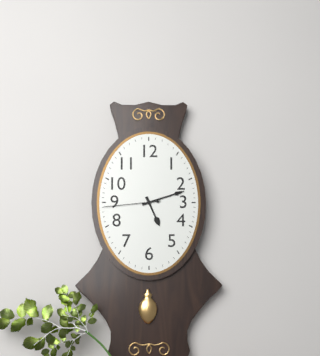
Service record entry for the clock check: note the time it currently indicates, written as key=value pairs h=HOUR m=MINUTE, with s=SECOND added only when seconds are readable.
h=5 m=12 s=44
